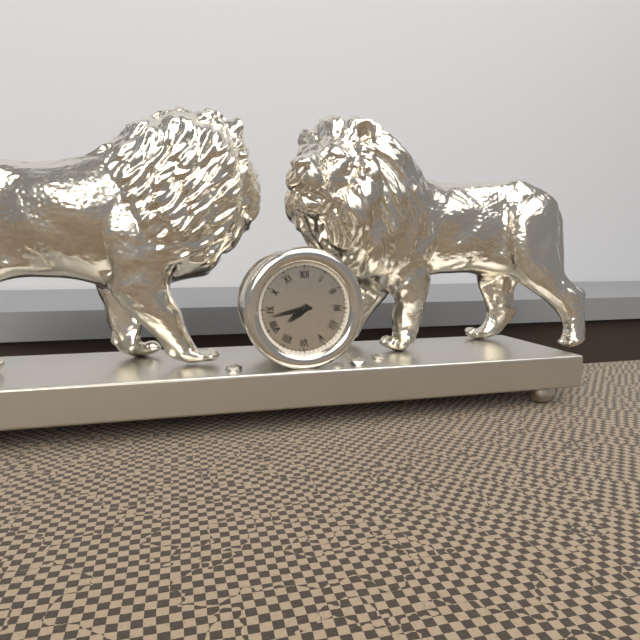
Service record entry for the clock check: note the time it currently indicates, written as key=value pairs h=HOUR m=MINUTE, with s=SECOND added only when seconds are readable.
h=7 m=43
